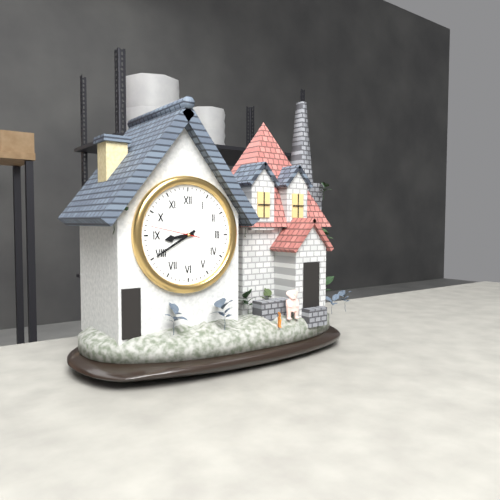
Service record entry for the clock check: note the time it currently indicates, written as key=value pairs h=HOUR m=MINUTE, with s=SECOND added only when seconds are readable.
h=8 m=40 s=47
